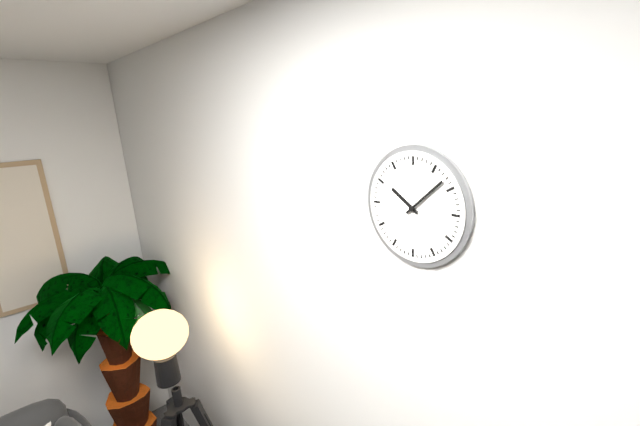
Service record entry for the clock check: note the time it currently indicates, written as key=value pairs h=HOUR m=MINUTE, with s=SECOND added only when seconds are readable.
h=10 m=8
